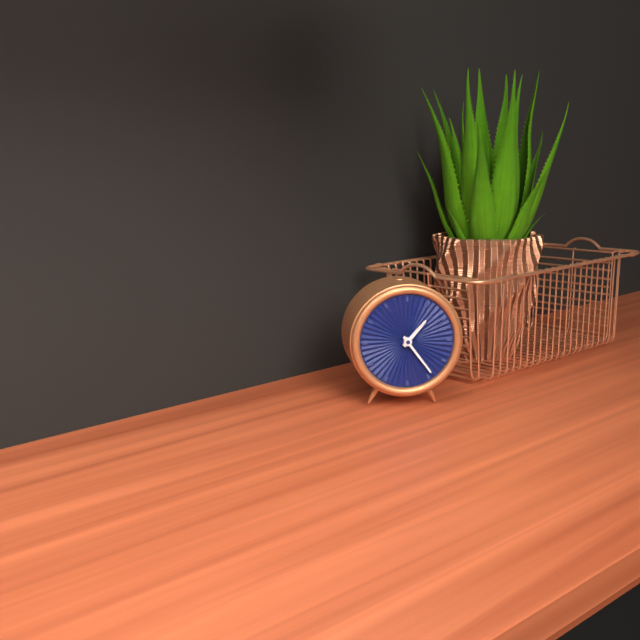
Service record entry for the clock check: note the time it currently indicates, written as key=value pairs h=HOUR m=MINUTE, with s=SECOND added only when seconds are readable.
h=1 m=24
